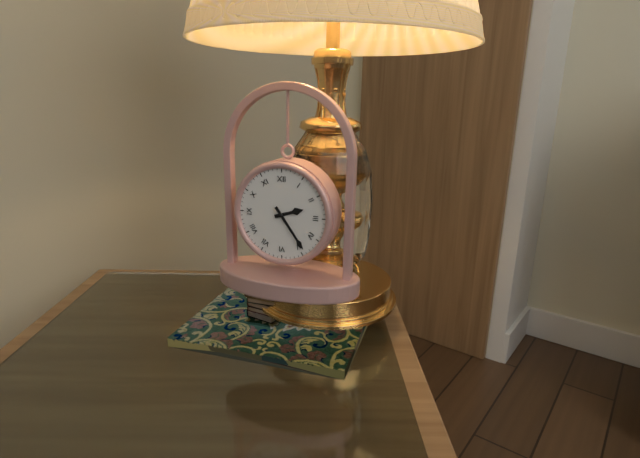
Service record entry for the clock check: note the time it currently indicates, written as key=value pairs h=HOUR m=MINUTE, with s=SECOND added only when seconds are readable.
h=2 m=24
